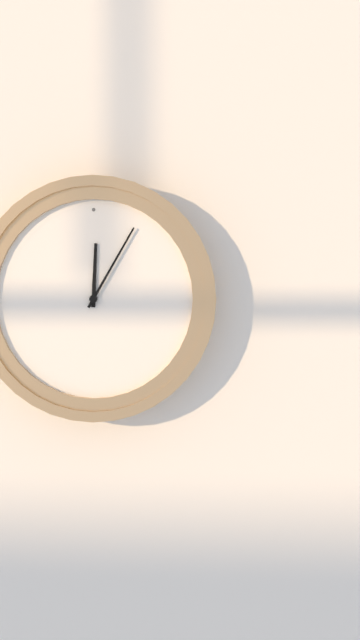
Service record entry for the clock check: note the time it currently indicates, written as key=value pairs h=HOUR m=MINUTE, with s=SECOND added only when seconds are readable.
h=12 m=5
